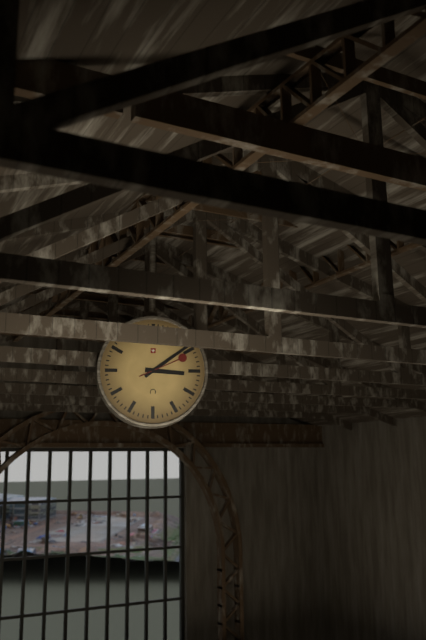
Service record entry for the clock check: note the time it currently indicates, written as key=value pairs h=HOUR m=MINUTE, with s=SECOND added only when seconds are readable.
h=3 m=9
